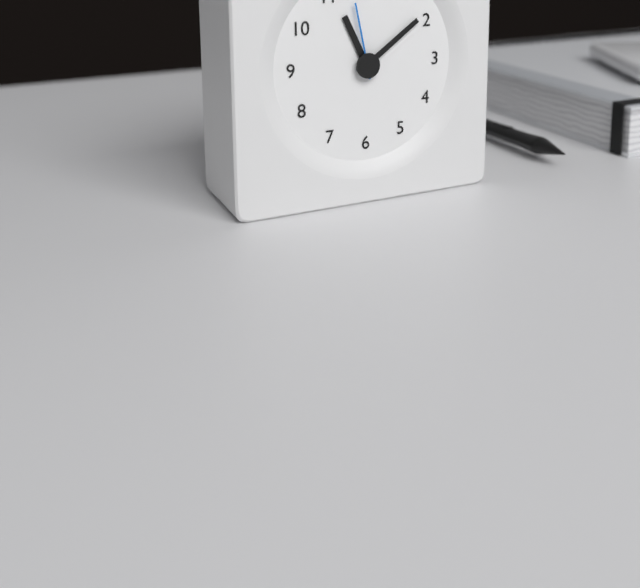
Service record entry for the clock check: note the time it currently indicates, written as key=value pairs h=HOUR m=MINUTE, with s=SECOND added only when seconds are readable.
h=11 m=9 s=58
